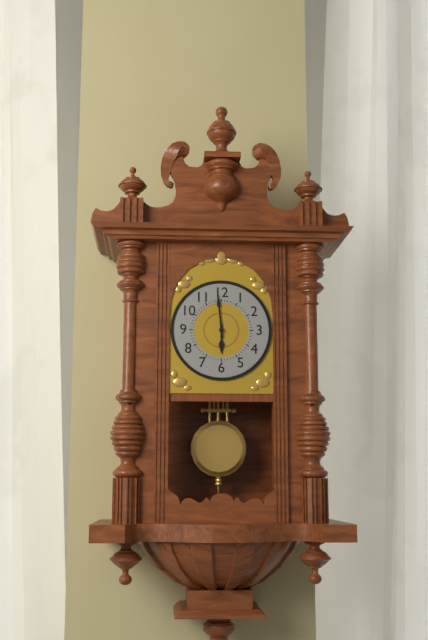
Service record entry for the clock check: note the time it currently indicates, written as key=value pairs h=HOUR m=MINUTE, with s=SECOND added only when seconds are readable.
h=5 m=59
